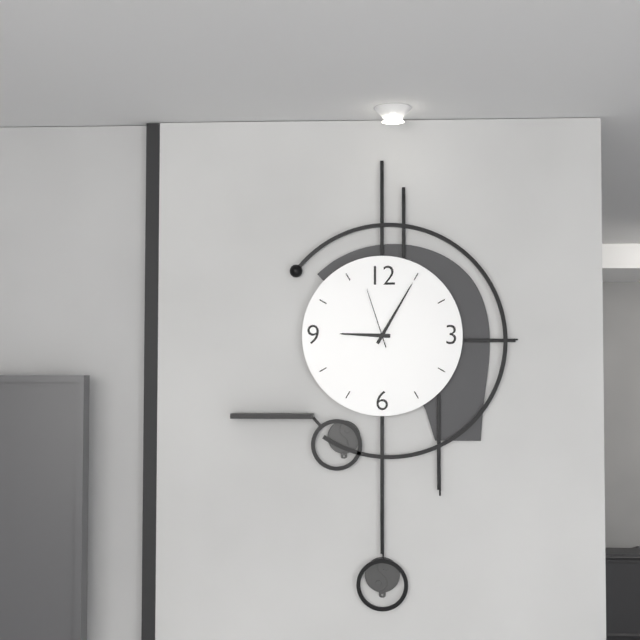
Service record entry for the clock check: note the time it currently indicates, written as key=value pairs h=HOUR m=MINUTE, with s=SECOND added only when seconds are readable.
h=9 m=5 s=57
